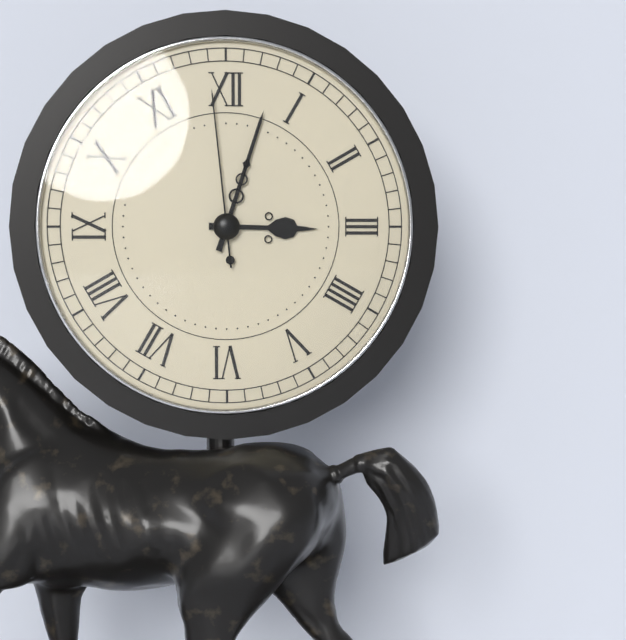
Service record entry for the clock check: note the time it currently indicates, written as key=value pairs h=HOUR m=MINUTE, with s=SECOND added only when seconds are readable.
h=3 m=3 s=59
